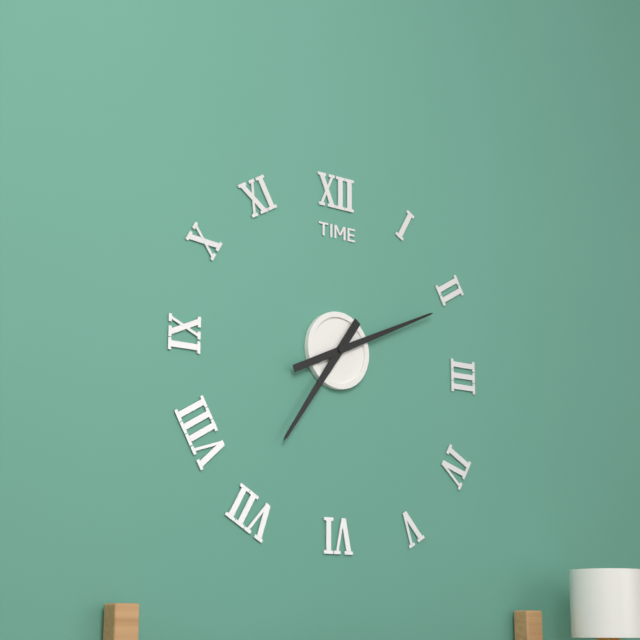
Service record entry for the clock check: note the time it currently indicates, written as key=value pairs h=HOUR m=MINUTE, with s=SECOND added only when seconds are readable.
h=7 m=11
